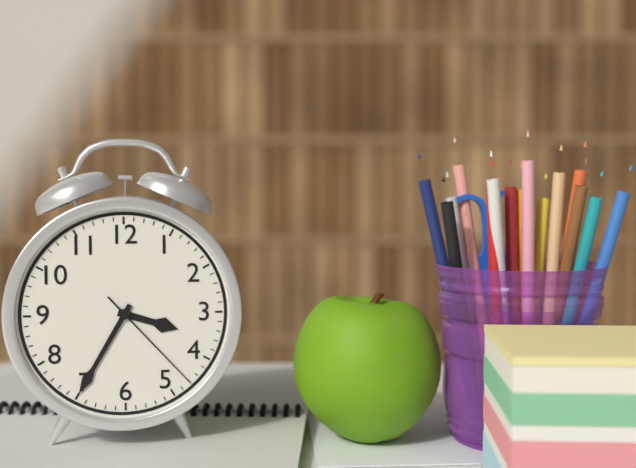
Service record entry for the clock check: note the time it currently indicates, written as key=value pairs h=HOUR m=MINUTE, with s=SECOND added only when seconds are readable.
h=3 m=35 s=23
